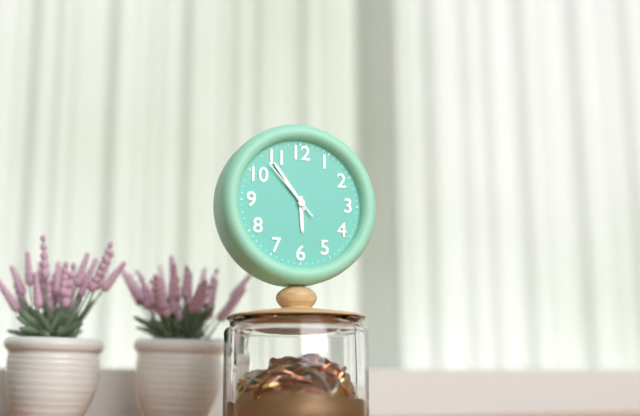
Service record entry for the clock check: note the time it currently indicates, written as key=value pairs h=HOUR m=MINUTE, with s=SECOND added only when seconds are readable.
h=5 m=54 s=53
